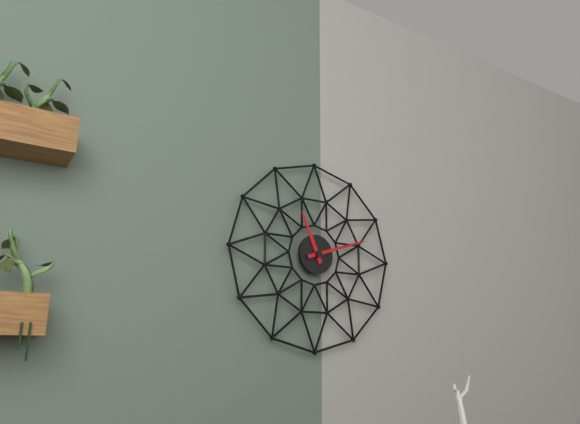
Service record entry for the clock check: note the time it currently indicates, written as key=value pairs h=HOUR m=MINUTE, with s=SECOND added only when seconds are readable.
h=11 m=12
